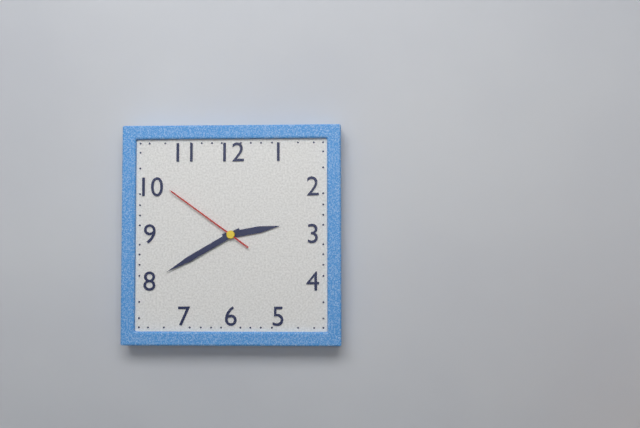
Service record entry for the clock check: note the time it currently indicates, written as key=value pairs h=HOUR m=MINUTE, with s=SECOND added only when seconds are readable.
h=2 m=40 s=51
